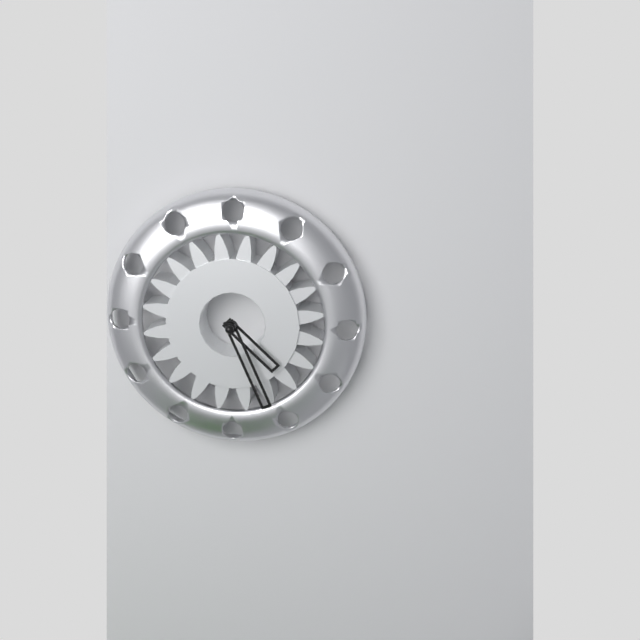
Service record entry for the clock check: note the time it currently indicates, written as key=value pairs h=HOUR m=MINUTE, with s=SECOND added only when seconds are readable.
h=4 m=26
